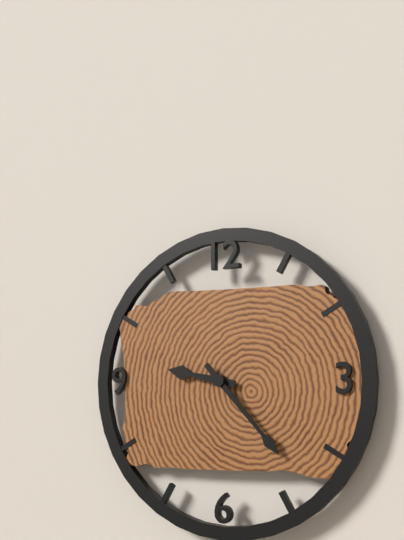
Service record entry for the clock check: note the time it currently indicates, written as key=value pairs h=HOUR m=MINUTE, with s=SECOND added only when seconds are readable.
h=9 m=23
